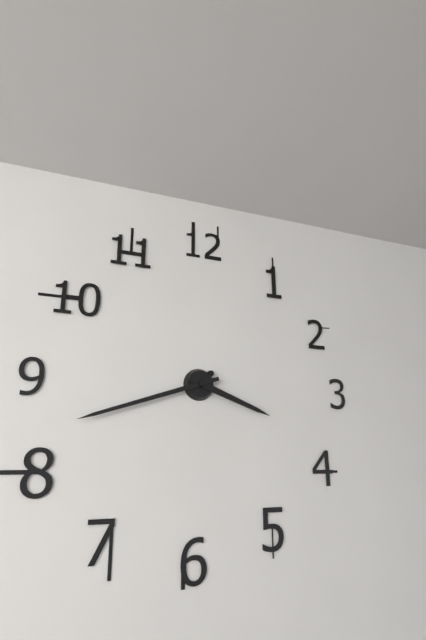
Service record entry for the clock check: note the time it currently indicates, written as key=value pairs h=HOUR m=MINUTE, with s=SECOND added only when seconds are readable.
h=3 m=42
